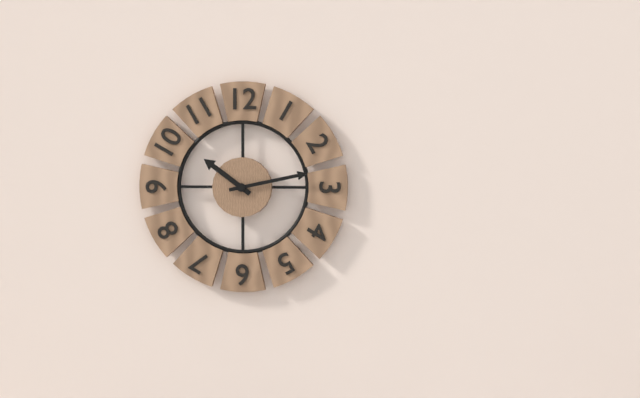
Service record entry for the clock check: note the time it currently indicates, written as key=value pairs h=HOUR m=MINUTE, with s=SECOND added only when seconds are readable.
h=10 m=13
